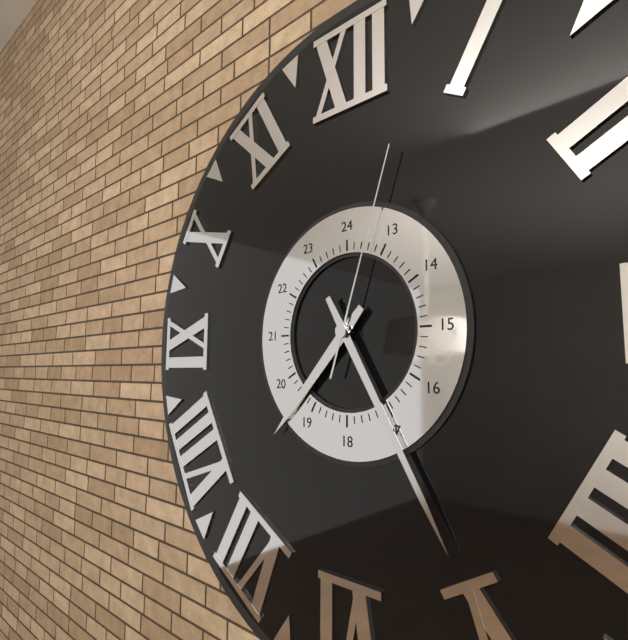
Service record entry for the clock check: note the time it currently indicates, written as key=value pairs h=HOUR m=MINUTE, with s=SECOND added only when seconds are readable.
h=7 m=25 s=3
